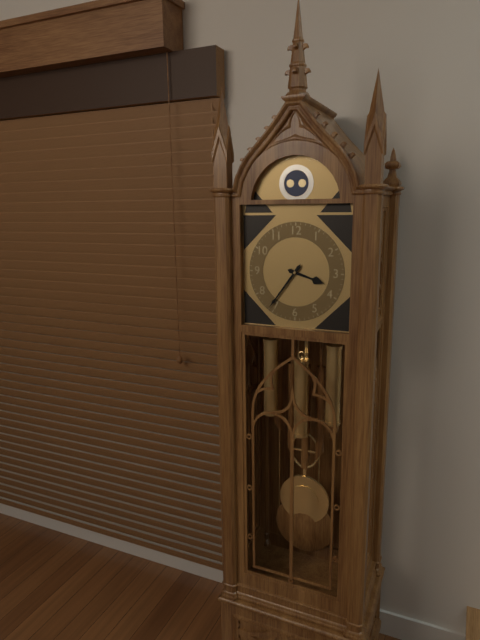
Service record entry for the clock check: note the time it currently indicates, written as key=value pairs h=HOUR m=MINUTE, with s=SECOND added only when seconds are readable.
h=3 m=36
